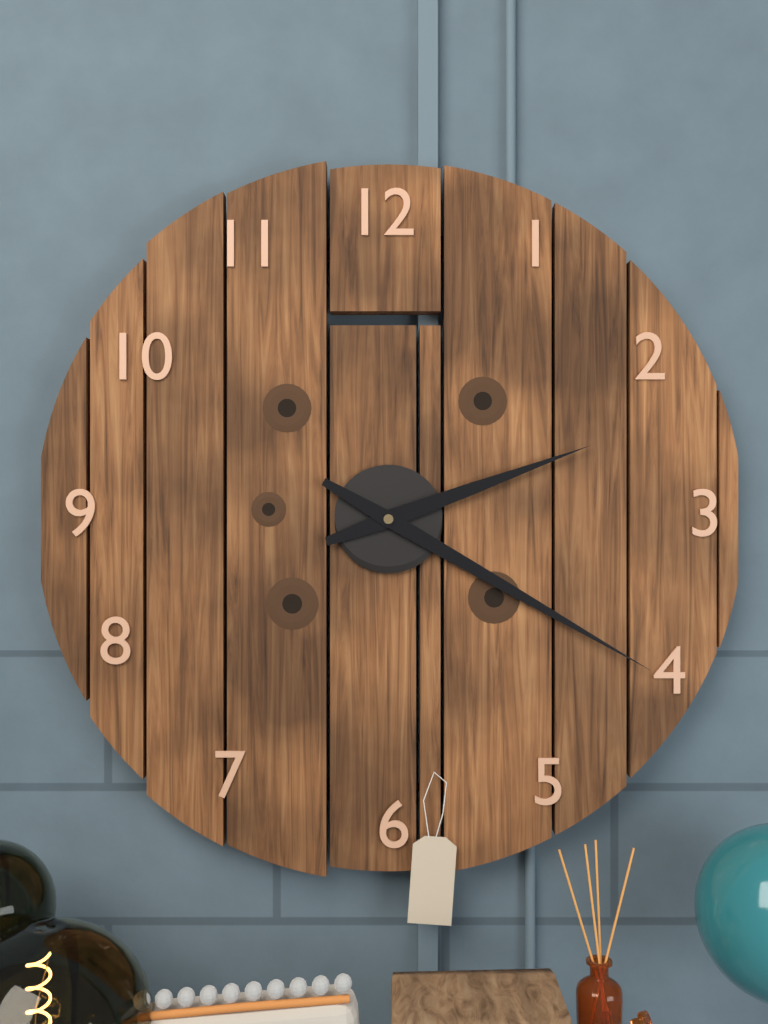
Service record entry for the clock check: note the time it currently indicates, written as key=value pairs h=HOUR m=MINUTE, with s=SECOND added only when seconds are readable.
h=2 m=20
